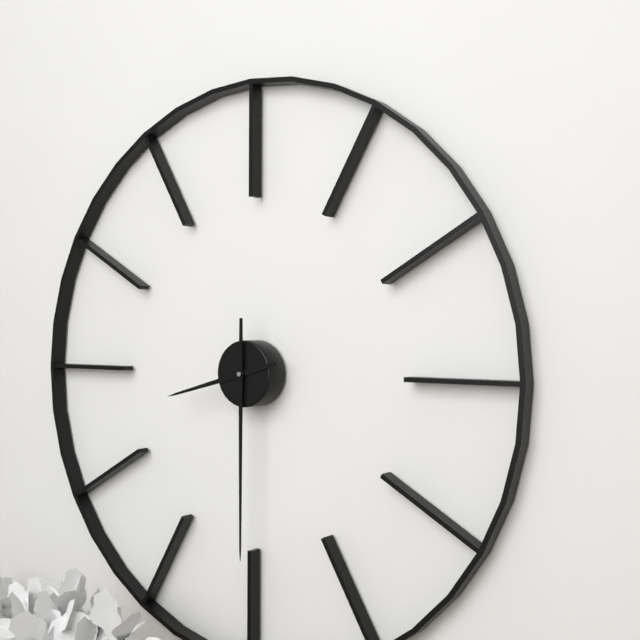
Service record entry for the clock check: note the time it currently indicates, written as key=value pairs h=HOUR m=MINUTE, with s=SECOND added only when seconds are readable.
h=8 m=30
